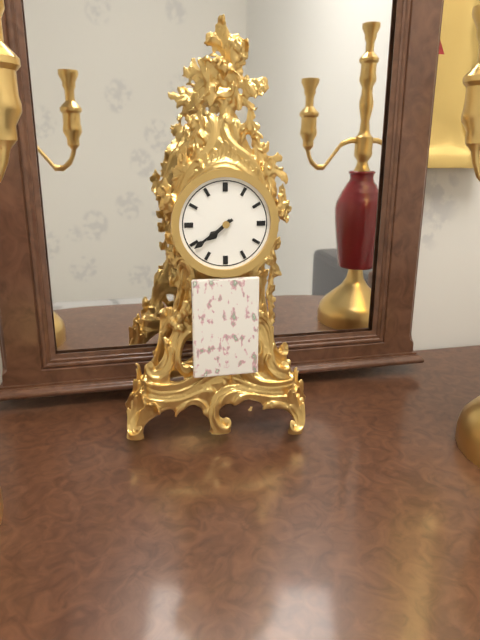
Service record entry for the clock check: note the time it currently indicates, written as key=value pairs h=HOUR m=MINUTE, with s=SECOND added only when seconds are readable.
h=7 m=39
